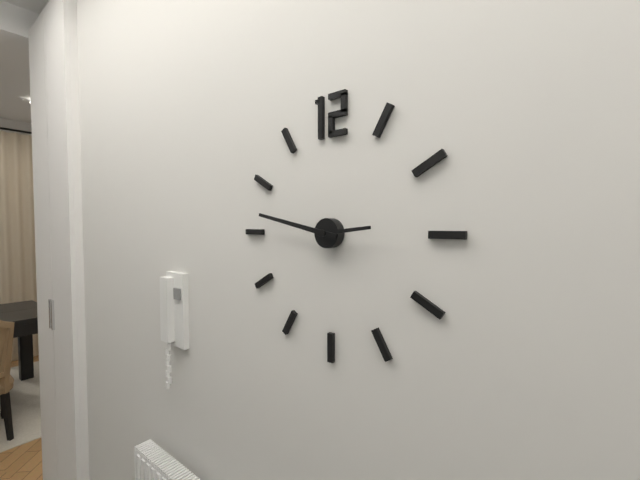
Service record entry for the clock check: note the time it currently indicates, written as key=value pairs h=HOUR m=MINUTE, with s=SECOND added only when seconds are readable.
h=2 m=47
